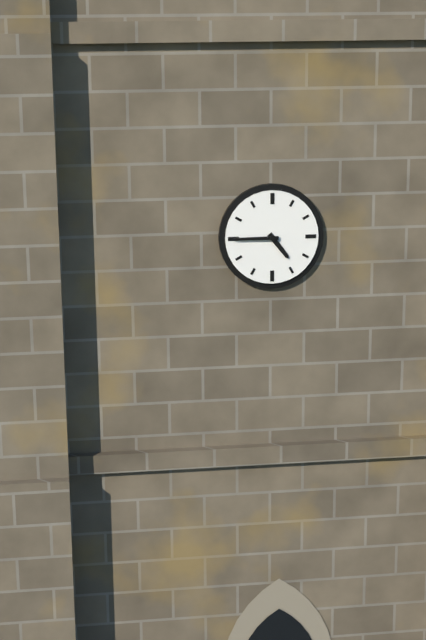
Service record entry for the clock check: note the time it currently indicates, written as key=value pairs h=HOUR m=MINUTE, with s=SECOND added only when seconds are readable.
h=4 m=45
